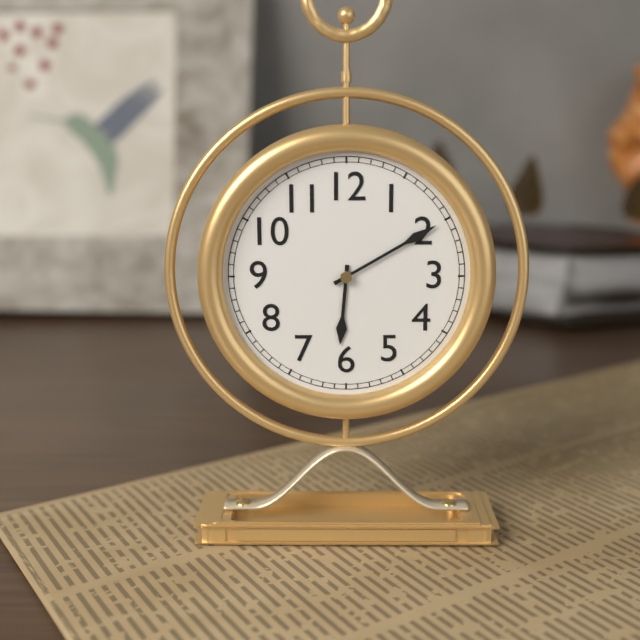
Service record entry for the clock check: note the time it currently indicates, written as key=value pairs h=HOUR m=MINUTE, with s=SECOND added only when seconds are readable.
h=6 m=10
